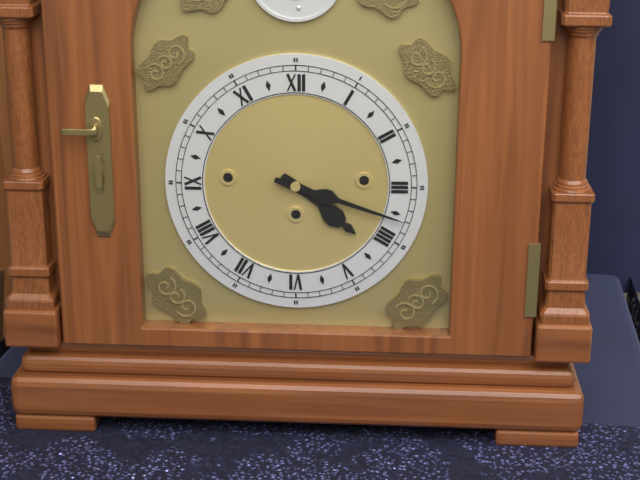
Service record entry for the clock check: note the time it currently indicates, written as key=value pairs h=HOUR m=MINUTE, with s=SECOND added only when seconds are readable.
h=4 m=18
